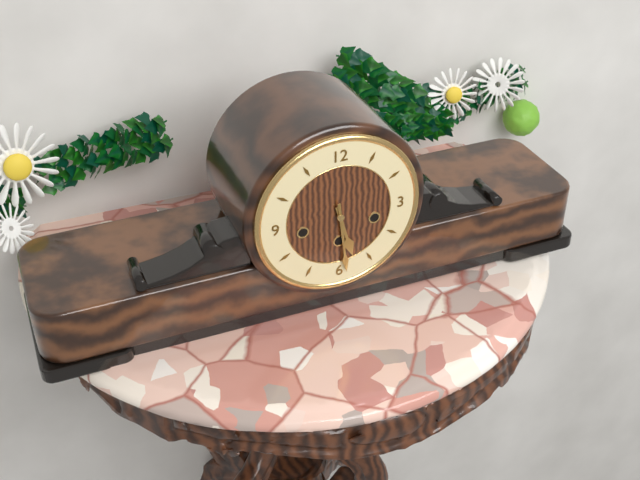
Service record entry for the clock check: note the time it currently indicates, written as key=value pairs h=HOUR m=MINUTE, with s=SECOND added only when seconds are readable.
h=5 m=29
